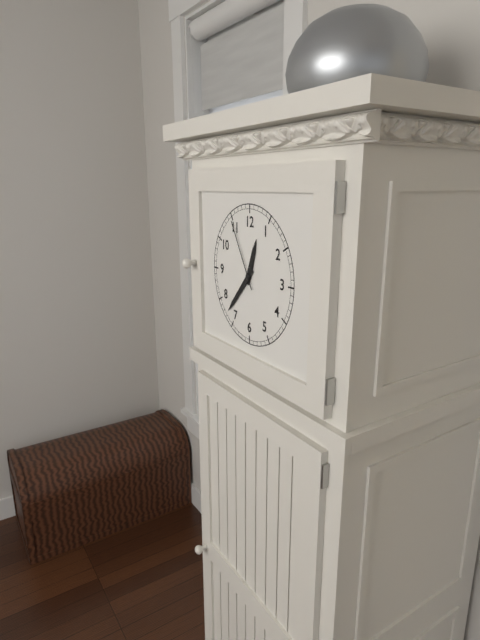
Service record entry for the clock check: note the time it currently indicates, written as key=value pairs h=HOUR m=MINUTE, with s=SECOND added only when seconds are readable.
h=12 m=37 s=55
